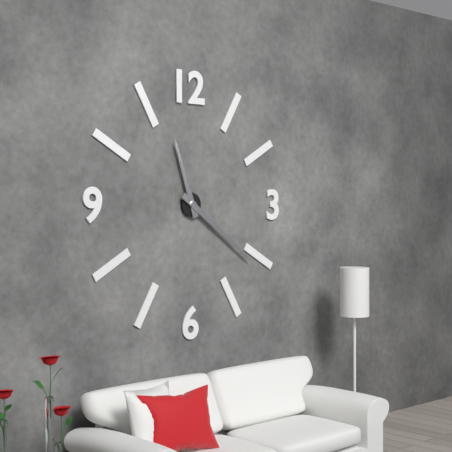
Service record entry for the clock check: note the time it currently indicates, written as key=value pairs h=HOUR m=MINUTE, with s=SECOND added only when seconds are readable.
h=11 m=21
